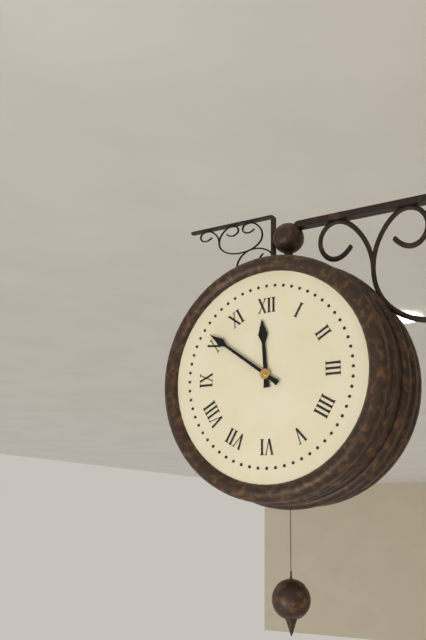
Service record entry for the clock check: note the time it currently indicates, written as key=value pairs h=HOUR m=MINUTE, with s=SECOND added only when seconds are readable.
h=11 m=51
